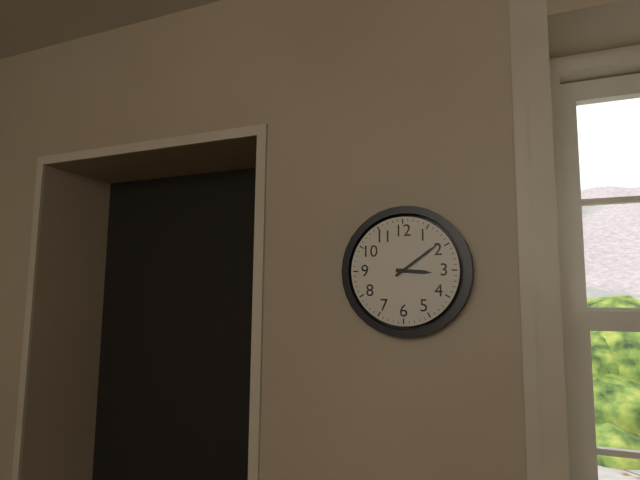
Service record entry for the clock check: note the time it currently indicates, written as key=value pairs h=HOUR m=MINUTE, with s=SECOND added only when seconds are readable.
h=3 m=9
